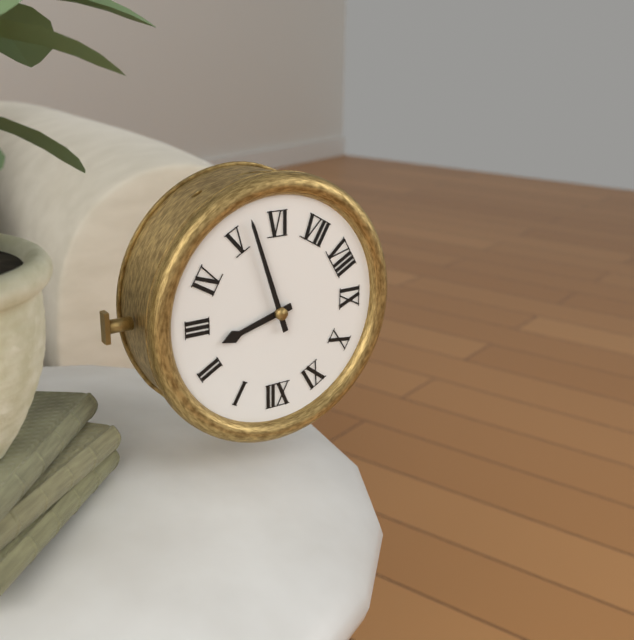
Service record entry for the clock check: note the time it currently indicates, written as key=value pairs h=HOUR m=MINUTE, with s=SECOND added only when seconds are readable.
h=2 m=27
